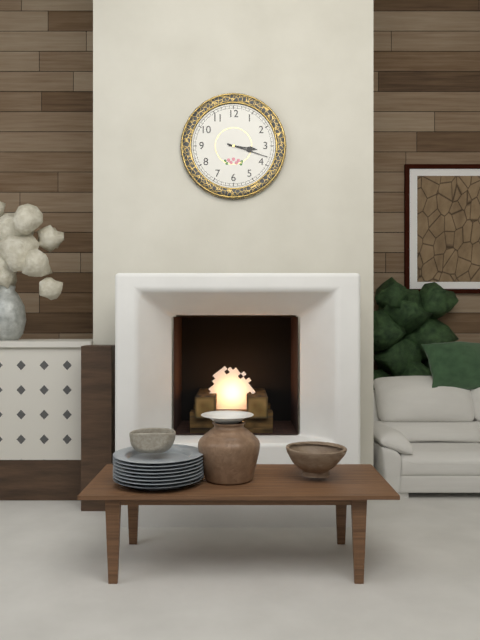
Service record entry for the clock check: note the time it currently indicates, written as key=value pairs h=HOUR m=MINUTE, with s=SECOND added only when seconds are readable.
h=3 m=18
